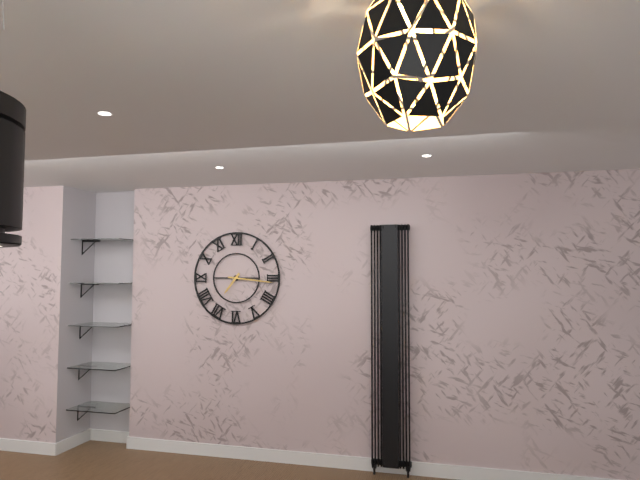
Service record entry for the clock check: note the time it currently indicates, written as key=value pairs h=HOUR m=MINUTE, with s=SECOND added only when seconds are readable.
h=7 m=16
